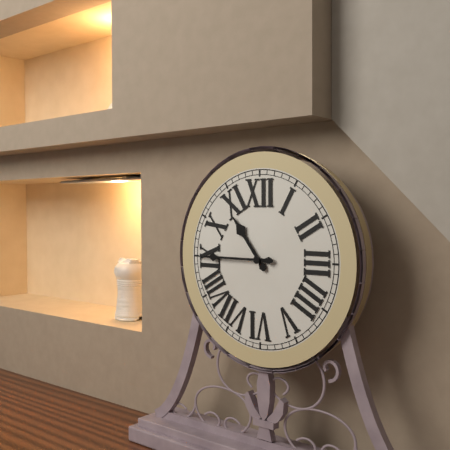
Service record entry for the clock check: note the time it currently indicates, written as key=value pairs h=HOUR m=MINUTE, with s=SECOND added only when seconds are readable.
h=10 m=45
